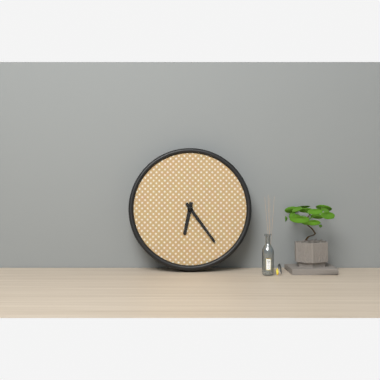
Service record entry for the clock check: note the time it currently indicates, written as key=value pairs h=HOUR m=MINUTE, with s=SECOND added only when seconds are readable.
h=6 m=24
